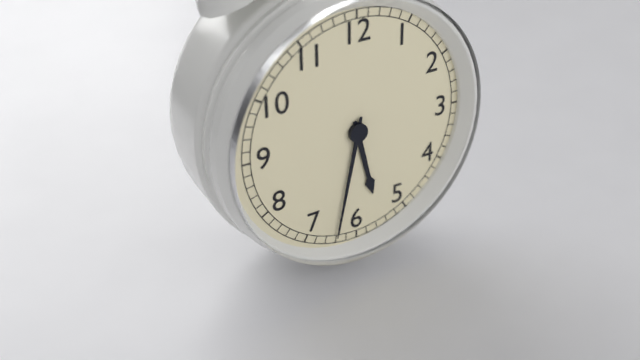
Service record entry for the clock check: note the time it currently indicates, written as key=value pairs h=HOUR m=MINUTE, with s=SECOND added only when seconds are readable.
h=5 m=32
